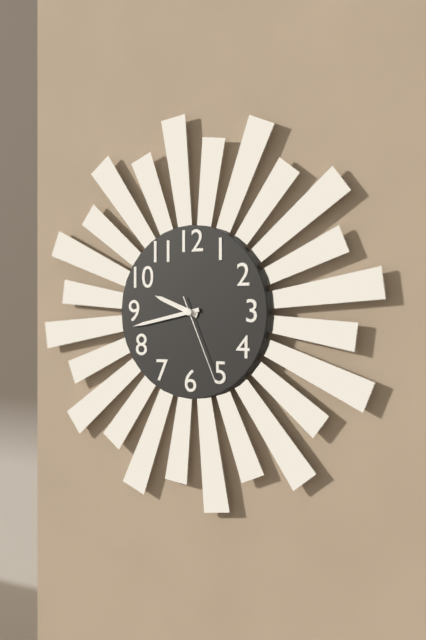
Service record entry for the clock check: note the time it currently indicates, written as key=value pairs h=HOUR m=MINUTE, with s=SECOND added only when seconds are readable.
h=9 m=43 s=26
